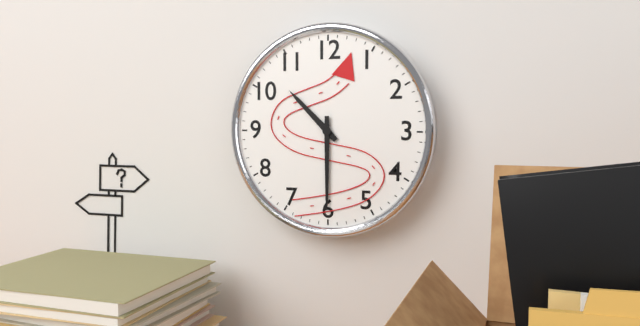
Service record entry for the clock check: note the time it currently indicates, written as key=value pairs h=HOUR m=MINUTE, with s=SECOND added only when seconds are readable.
h=10 m=30
